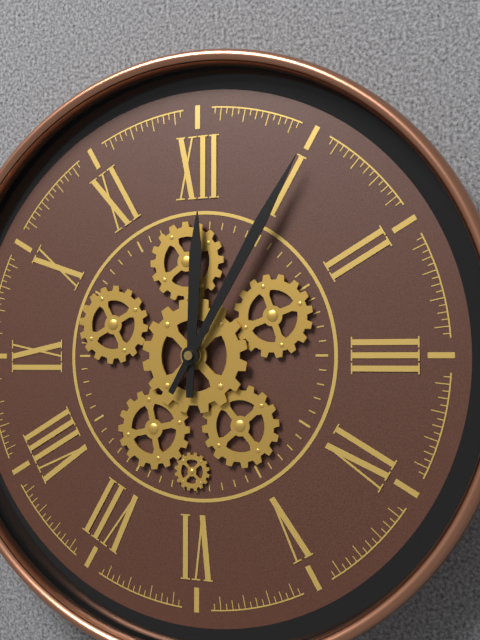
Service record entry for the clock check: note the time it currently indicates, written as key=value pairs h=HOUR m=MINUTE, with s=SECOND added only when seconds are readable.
h=12 m=5
